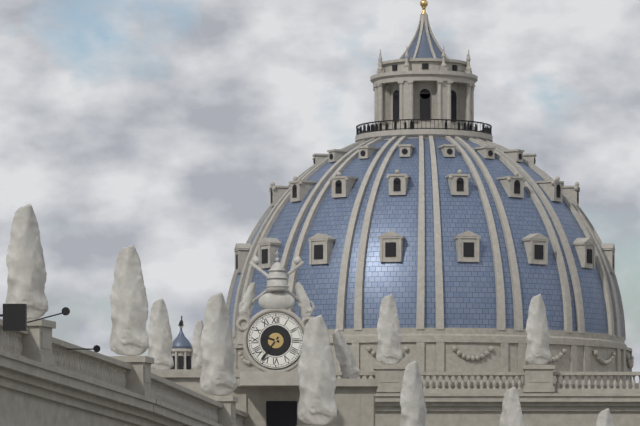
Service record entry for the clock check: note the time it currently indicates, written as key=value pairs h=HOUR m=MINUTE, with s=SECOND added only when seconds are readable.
h=9 m=36
